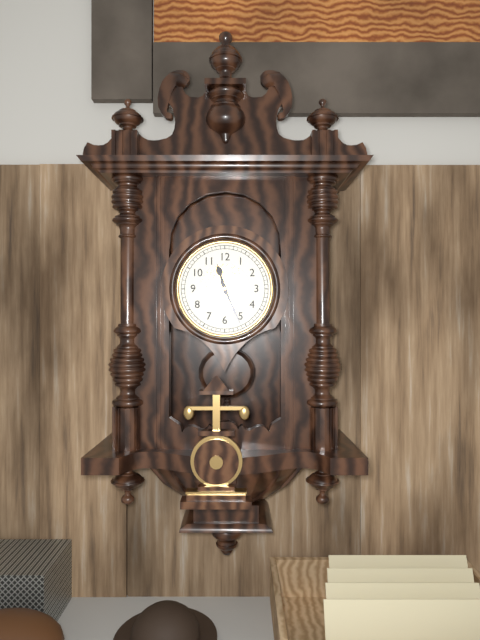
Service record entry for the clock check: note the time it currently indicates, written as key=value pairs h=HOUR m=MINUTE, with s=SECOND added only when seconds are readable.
h=11 m=26
